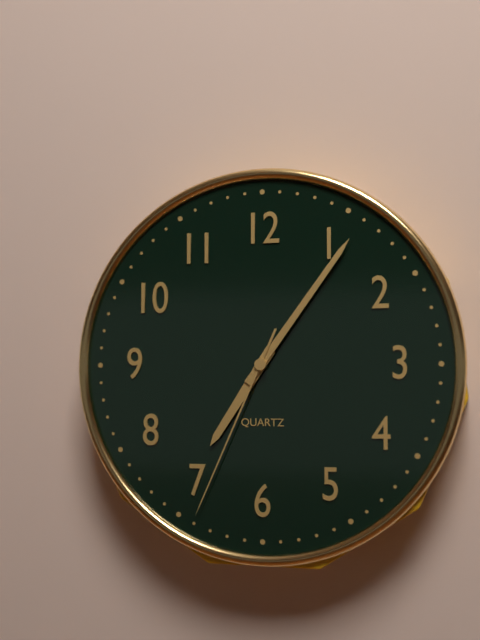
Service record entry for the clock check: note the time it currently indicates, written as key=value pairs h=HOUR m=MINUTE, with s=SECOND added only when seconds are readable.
h=7 m=6 s=34
